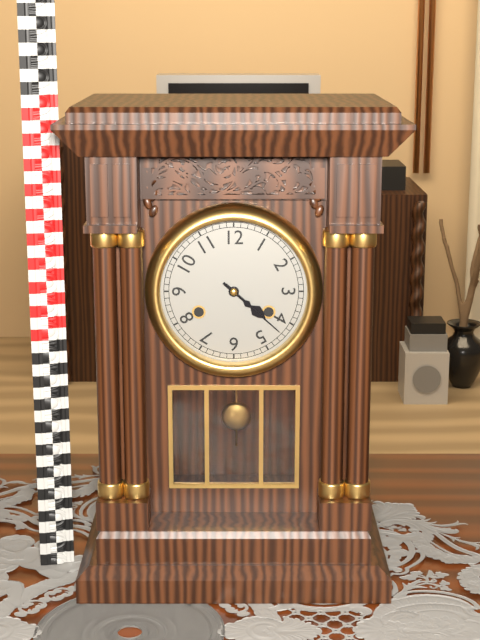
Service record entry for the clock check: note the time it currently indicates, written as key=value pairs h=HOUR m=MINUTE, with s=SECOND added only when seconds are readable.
h=4 m=22
